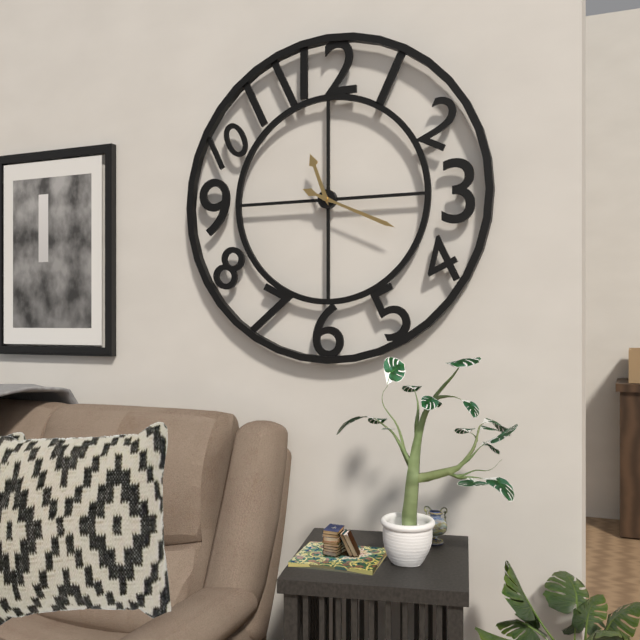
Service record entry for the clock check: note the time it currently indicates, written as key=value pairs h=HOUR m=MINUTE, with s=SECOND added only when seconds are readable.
h=11 m=19
